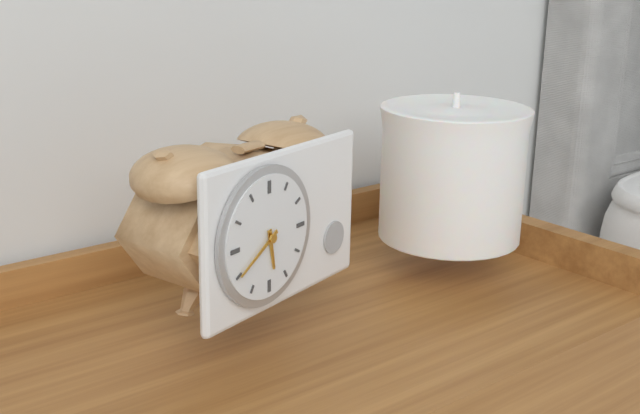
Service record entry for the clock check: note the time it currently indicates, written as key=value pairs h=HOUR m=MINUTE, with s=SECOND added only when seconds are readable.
h=5 m=40
